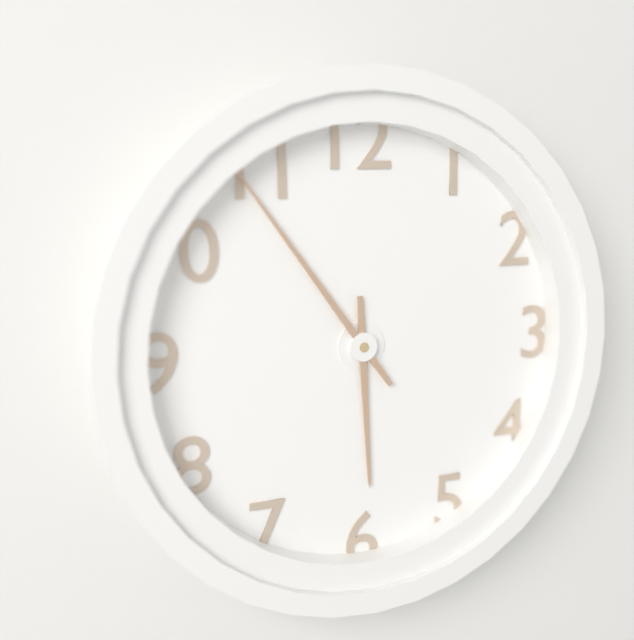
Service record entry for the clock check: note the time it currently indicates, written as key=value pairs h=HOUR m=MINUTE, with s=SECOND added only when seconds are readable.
h=5 m=54
